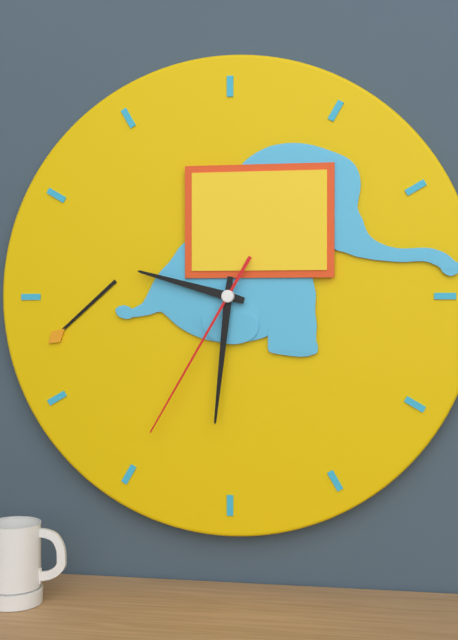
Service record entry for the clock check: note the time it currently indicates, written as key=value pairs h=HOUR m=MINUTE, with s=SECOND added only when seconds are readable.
h=9 m=31 s=35
